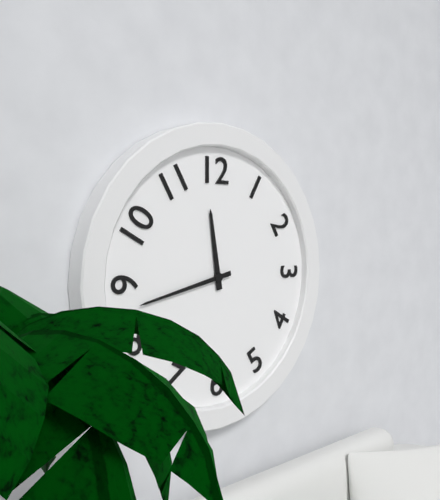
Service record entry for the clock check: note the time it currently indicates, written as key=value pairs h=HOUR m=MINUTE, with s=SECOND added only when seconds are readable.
h=11 m=43
